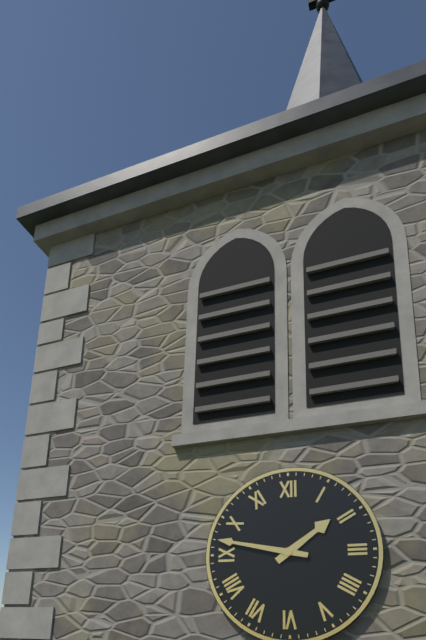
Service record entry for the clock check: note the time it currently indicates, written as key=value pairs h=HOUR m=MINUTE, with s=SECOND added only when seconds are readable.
h=1 m=47
